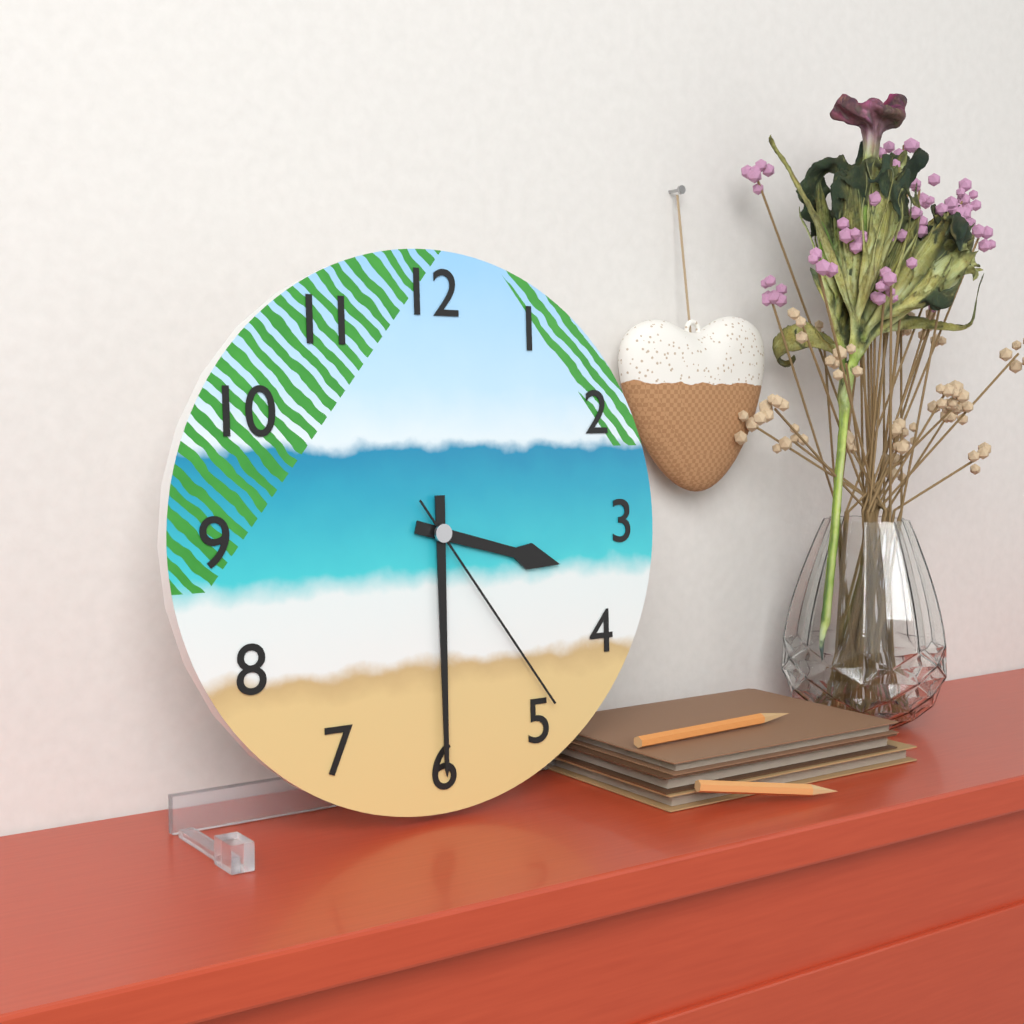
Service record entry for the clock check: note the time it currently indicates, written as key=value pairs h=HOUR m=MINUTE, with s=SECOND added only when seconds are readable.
h=3 m=30 s=24
